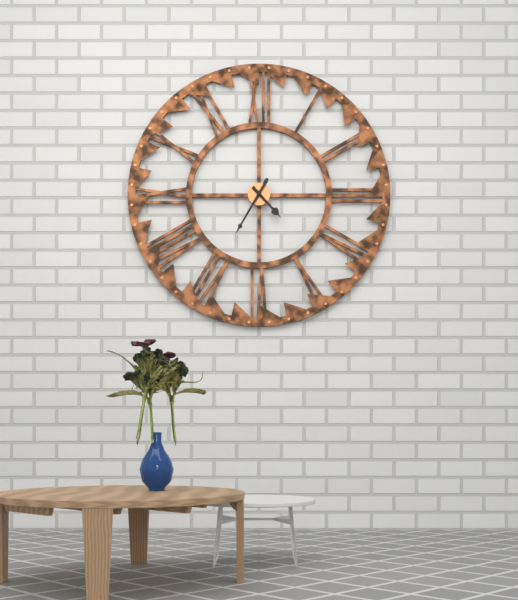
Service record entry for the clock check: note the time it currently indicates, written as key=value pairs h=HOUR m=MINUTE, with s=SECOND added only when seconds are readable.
h=4 m=35
